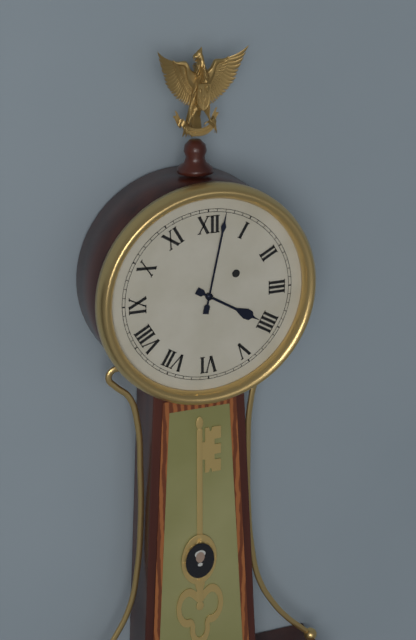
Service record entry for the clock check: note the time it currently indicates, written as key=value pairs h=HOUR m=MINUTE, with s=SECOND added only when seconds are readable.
h=4 m=2
